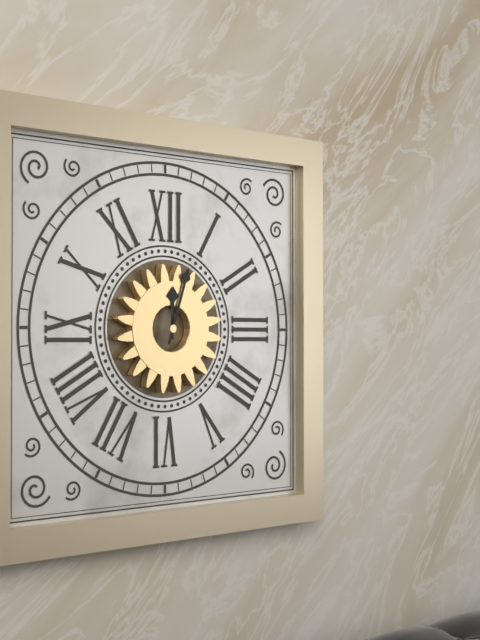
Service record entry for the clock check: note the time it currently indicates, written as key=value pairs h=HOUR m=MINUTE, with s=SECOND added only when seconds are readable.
h=12 m=3
